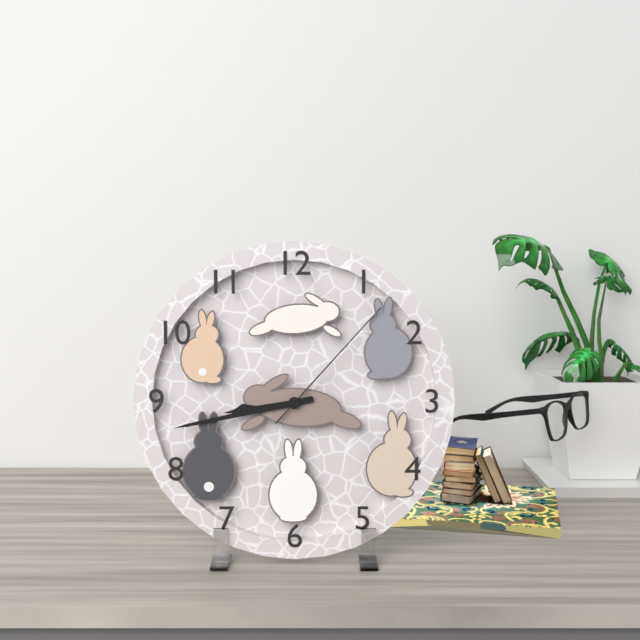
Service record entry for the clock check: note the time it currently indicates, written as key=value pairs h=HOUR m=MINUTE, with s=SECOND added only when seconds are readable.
h=8 m=43 s=7
